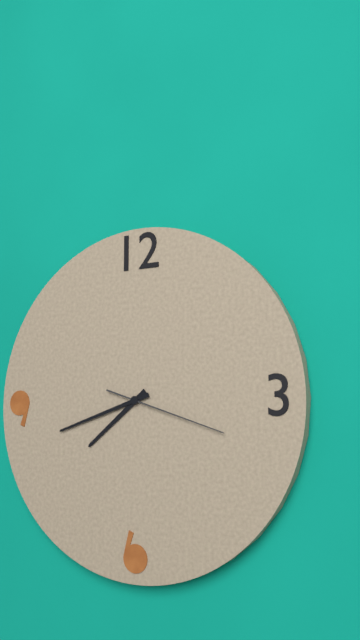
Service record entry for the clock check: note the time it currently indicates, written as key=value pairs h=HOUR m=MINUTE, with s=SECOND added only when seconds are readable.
h=7 m=42 s=18
